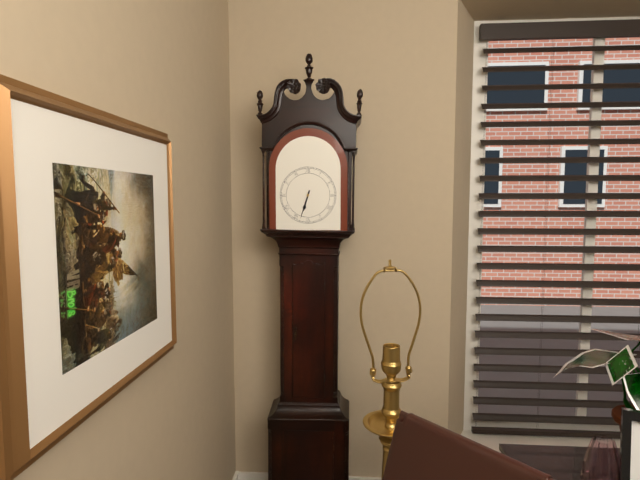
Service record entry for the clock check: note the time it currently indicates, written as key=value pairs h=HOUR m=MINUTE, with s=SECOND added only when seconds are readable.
h=6 m=33
